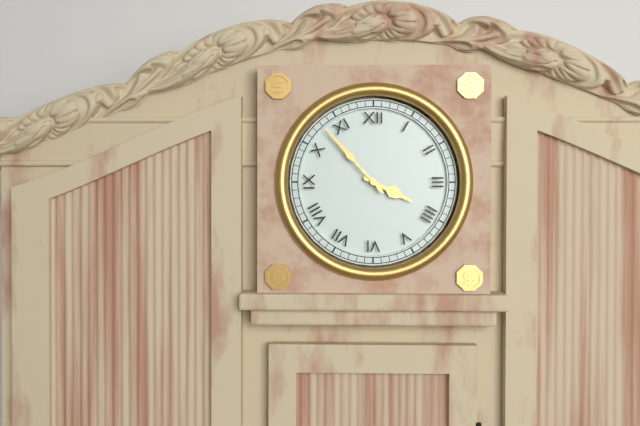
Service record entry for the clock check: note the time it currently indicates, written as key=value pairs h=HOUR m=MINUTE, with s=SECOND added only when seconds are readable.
h=3 m=53
